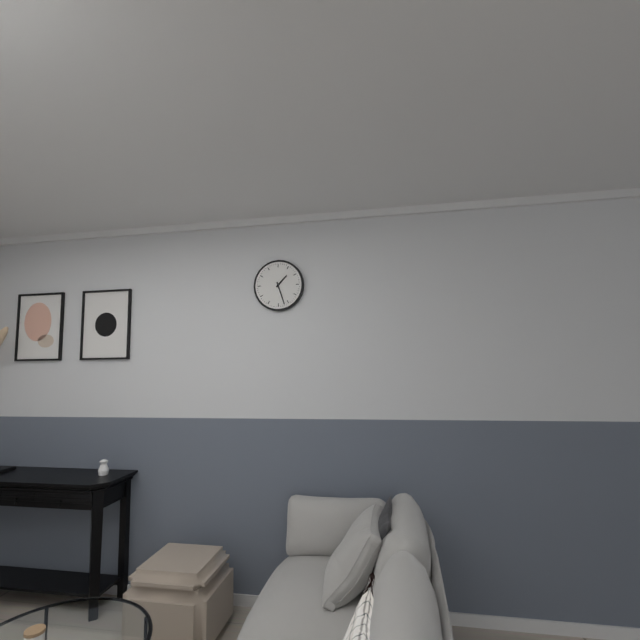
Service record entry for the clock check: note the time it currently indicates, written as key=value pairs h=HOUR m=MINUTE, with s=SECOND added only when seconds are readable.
h=1 m=27
